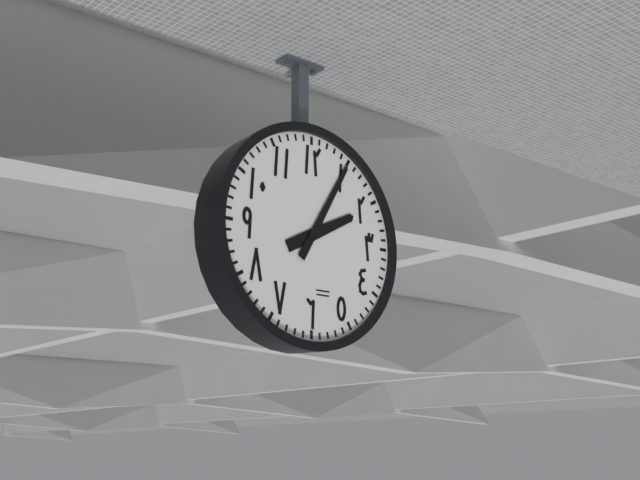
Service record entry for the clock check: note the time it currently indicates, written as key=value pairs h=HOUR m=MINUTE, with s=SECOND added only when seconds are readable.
h=2 m=5
